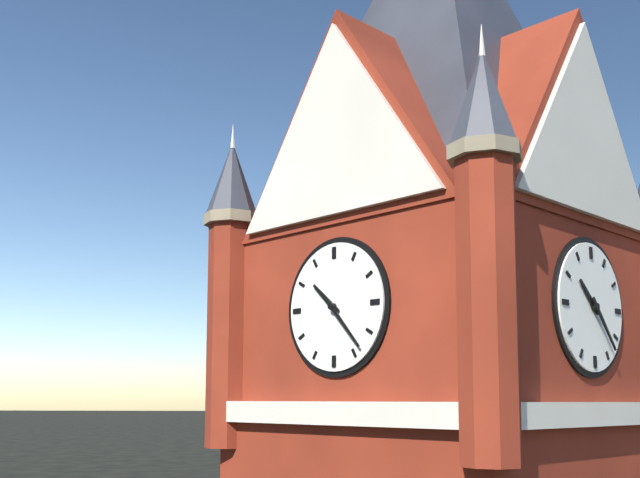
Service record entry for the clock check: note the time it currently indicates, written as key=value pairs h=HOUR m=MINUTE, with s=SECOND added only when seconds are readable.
h=10 m=23
